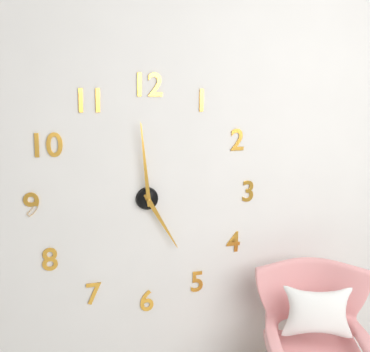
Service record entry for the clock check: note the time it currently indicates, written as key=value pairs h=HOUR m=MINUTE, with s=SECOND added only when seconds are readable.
h=4 m=59
